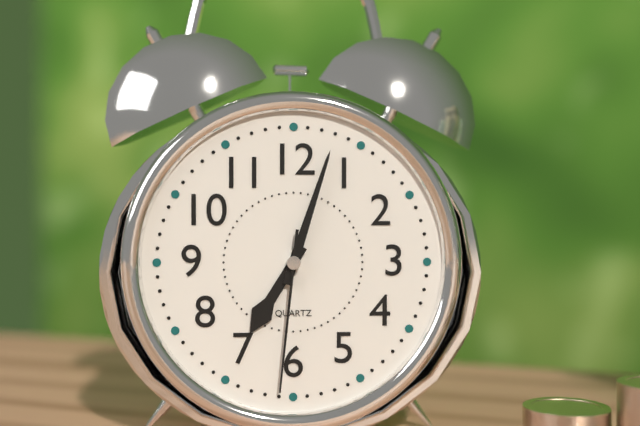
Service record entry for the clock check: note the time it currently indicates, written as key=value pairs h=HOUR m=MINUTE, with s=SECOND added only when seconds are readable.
h=7 m=3 s=31
